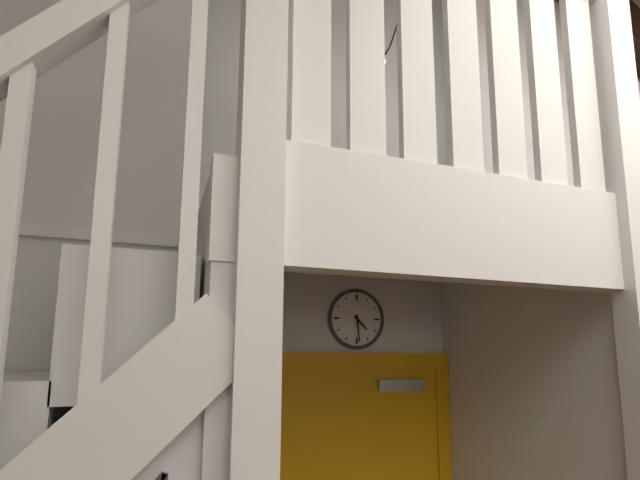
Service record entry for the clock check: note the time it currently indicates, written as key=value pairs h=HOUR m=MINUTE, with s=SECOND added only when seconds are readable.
h=4 m=29
